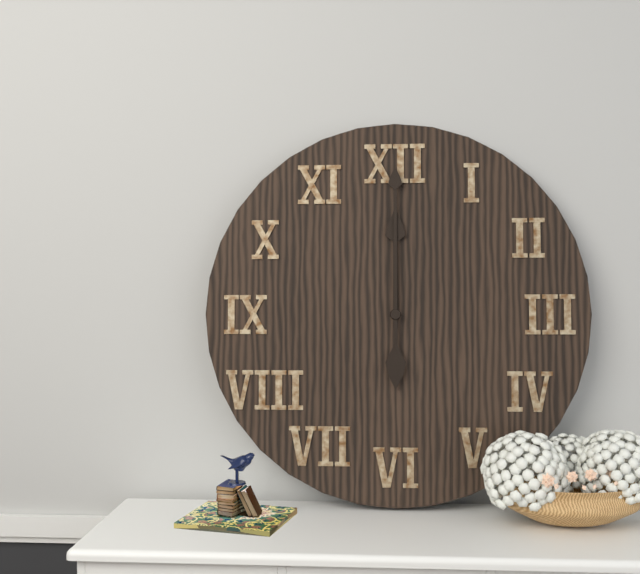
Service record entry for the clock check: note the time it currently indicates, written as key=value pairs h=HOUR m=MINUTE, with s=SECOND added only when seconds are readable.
h=12 m=0
